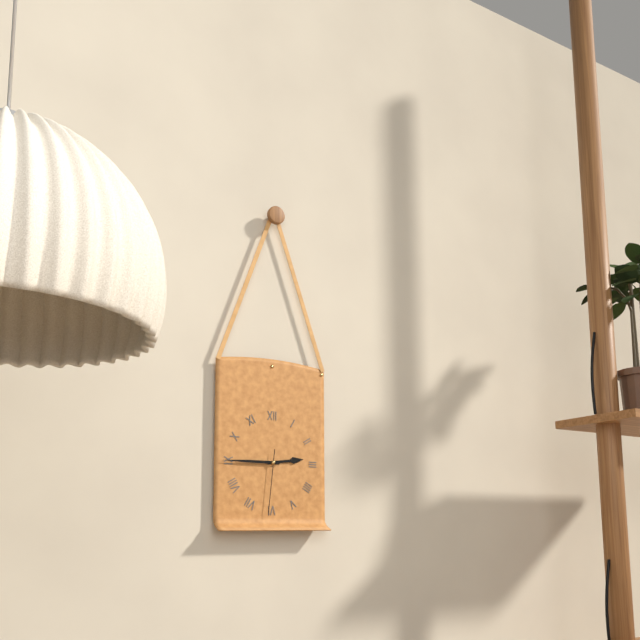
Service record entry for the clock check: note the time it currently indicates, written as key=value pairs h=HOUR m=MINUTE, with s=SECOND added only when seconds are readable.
h=2 m=45 s=31
